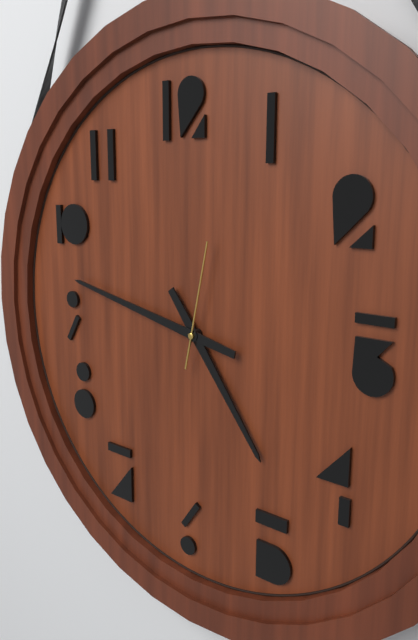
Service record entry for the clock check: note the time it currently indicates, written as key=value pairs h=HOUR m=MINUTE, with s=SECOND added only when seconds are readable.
h=4 m=47 s=2
